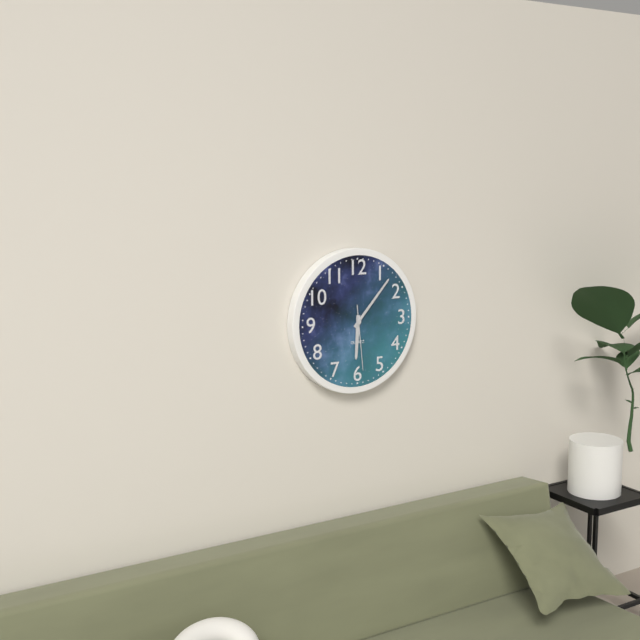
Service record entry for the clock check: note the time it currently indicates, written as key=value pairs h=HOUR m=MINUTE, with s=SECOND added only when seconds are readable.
h=6 m=7 s=29
